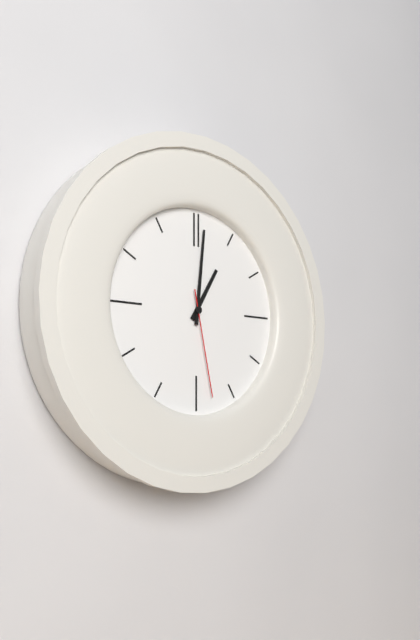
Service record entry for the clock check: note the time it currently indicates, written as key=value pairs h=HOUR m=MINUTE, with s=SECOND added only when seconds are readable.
h=1 m=1 s=28
